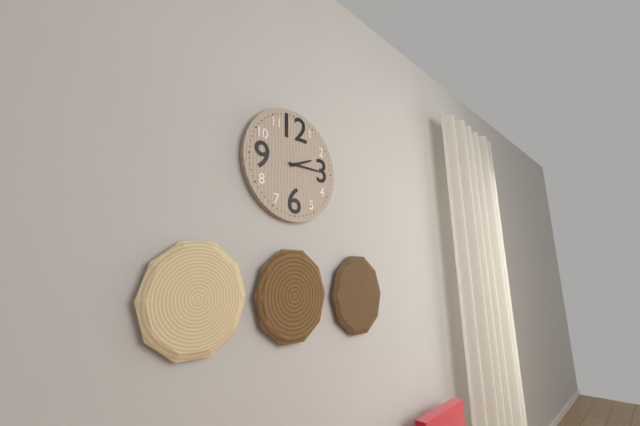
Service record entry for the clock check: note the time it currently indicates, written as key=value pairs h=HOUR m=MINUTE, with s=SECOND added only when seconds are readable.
h=2 m=15
